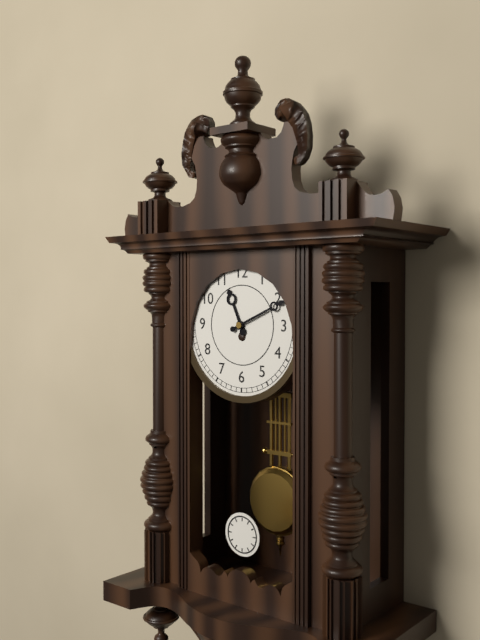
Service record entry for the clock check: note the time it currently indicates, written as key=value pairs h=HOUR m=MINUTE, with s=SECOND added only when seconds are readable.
h=11 m=11
